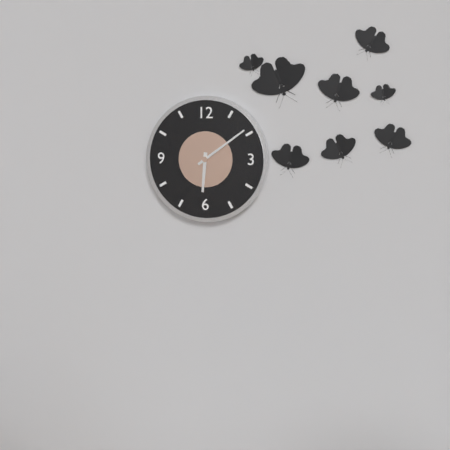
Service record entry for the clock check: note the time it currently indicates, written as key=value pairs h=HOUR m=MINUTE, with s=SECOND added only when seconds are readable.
h=6 m=9
